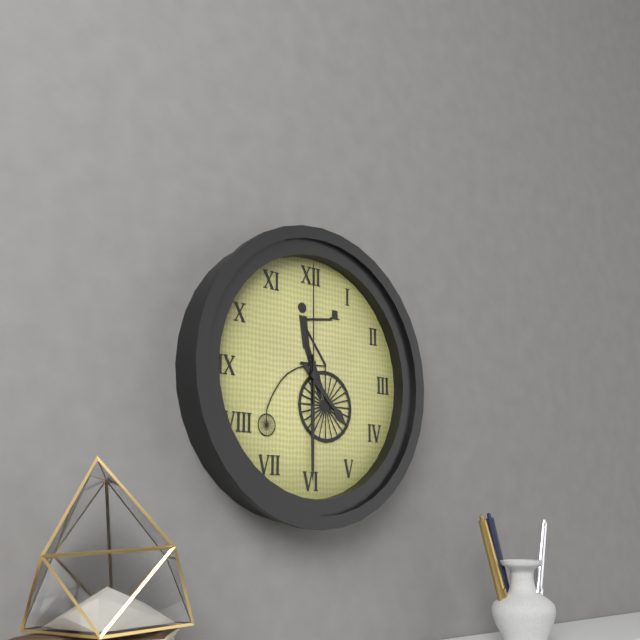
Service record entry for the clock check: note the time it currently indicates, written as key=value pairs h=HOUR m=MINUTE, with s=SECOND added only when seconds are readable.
h=4 m=30 s=0
